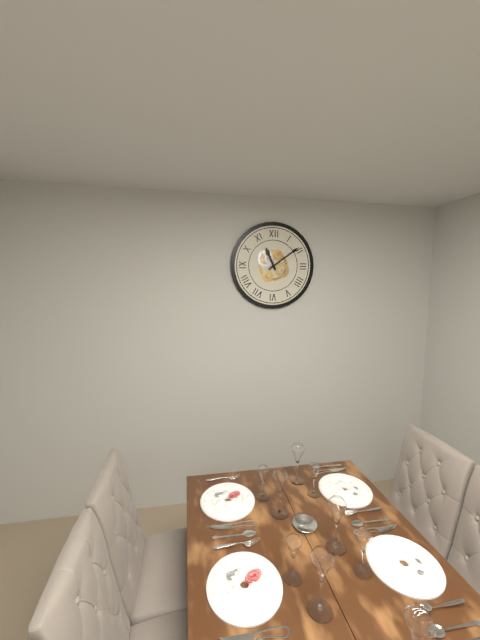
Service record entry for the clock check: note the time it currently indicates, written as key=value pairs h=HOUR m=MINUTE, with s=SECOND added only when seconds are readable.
h=11 m=9
